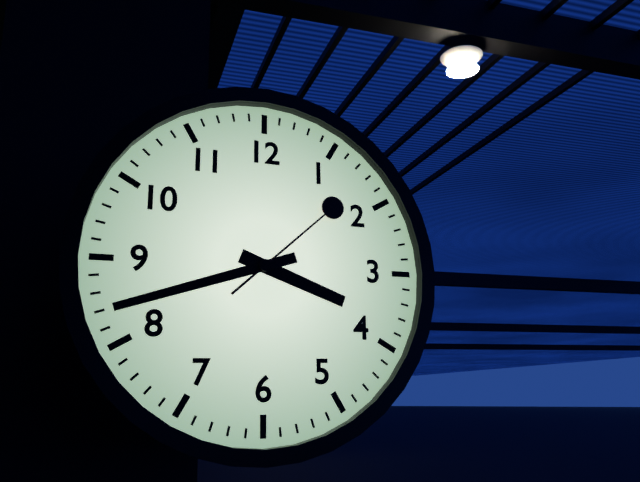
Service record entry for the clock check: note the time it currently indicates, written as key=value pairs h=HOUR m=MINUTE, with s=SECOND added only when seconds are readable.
h=3 m=42 s=8
